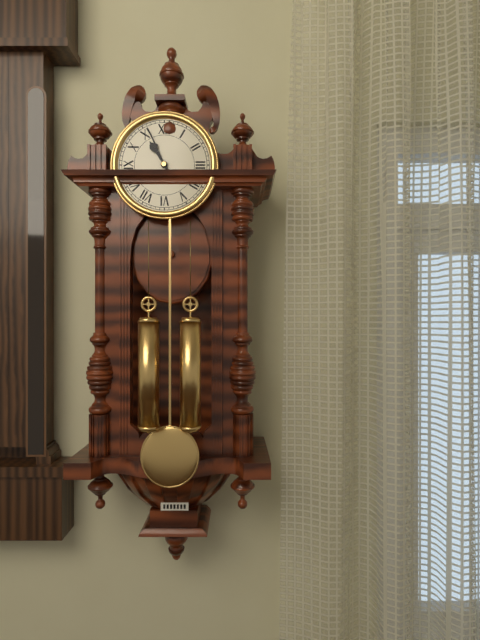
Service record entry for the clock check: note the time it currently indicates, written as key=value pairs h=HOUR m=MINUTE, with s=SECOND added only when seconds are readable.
h=10 m=56
